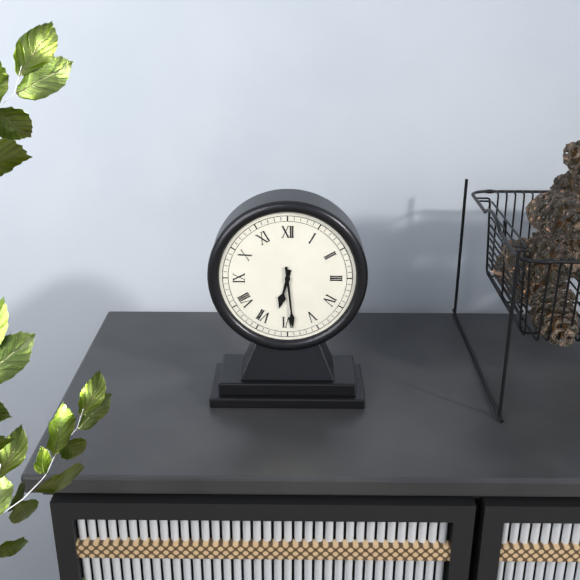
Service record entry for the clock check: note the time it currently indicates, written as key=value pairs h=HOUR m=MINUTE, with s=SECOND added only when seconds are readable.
h=6 m=29
